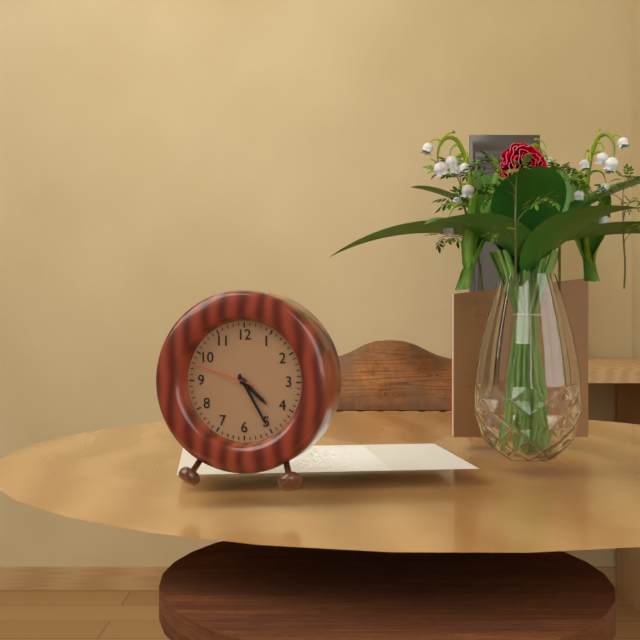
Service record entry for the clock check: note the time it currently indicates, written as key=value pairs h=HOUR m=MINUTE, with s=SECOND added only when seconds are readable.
h=4 m=25 s=48
